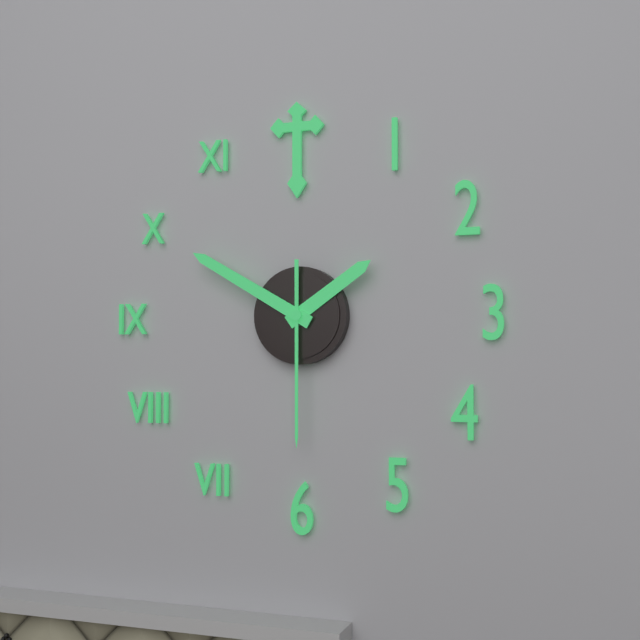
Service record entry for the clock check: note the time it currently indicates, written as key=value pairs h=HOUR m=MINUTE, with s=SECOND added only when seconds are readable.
h=1 m=50 s=30
